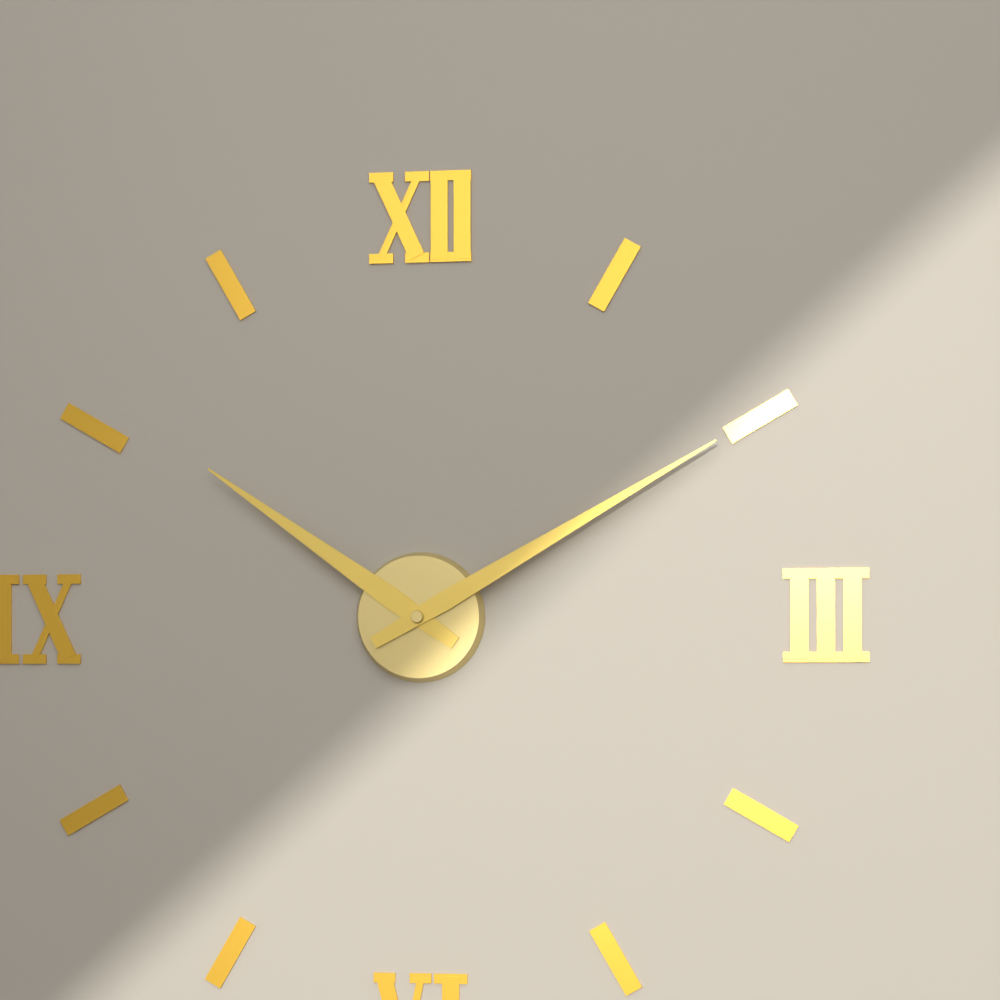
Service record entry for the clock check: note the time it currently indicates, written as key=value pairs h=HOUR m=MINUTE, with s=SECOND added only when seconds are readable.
h=10 m=10
